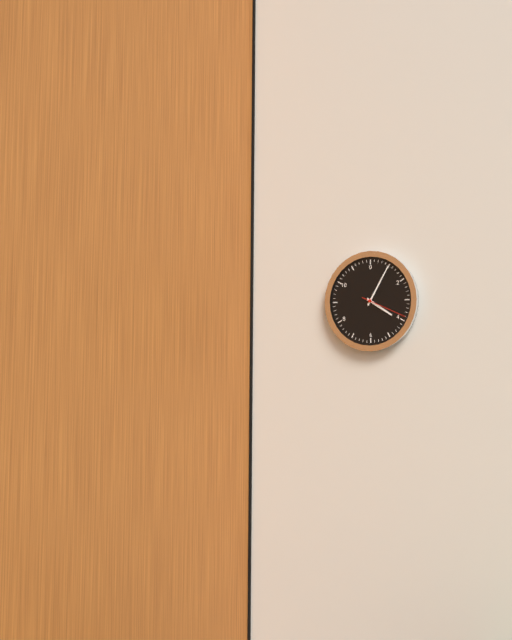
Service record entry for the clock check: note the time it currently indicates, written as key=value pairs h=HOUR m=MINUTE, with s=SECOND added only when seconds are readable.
h=4 m=5
